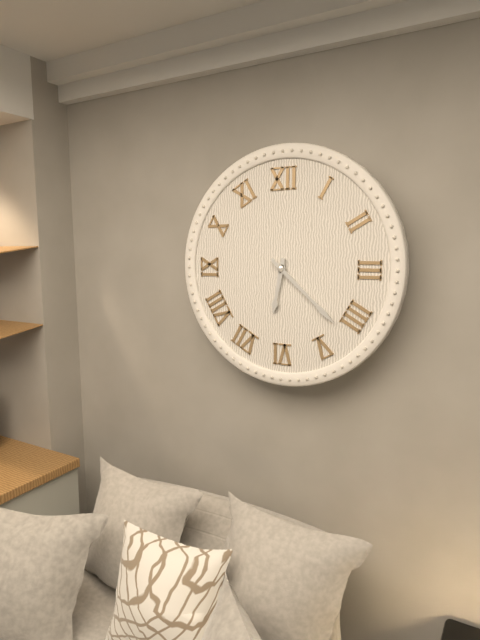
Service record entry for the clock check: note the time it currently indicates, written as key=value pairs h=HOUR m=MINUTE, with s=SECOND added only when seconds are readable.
h=6 m=22
